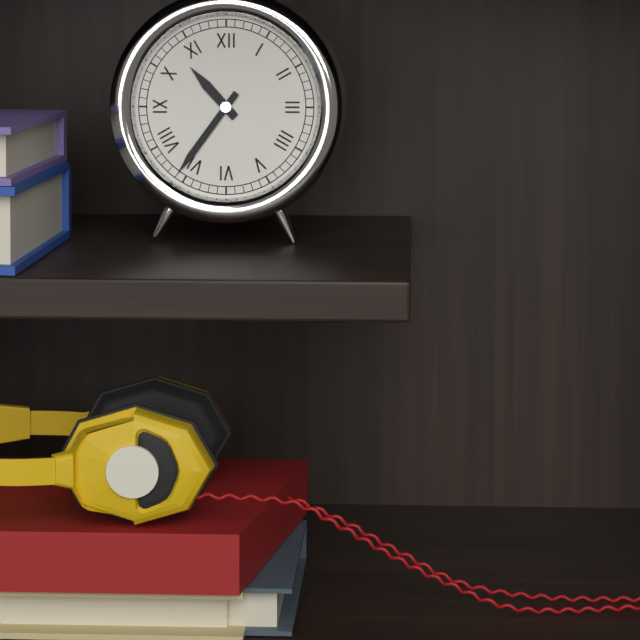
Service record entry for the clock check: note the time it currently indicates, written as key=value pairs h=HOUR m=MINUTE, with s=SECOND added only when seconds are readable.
h=10 m=36
